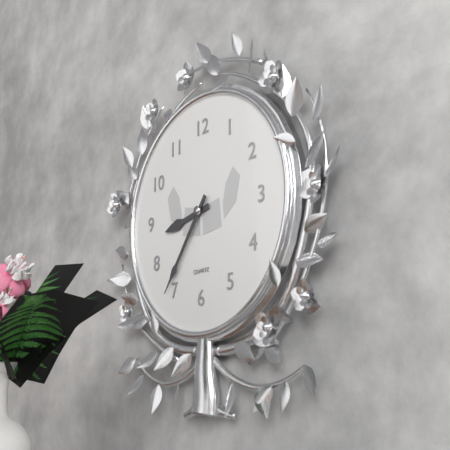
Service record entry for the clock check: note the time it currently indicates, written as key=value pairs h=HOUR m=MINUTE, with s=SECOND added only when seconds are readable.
h=8 m=36
